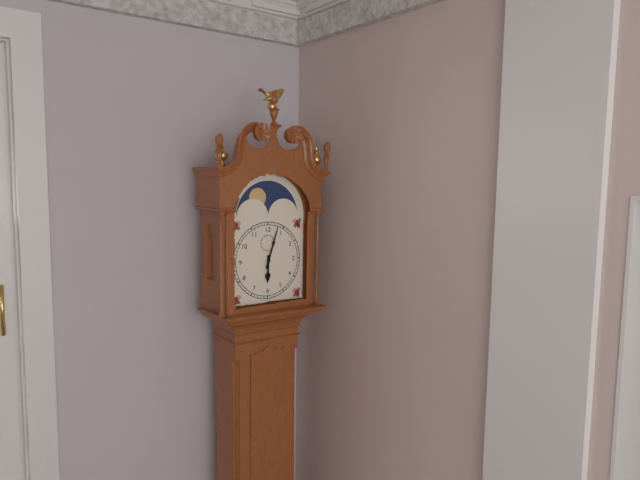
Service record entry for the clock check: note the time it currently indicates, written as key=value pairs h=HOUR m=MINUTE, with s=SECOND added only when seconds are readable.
h=6 m=3
